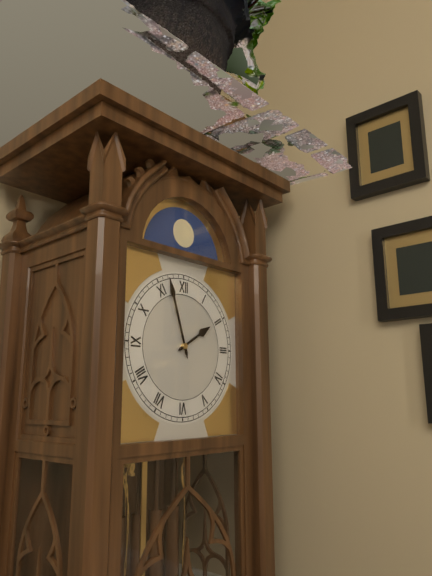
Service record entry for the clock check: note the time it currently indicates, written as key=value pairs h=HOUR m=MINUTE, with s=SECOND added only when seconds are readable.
h=1 m=57
